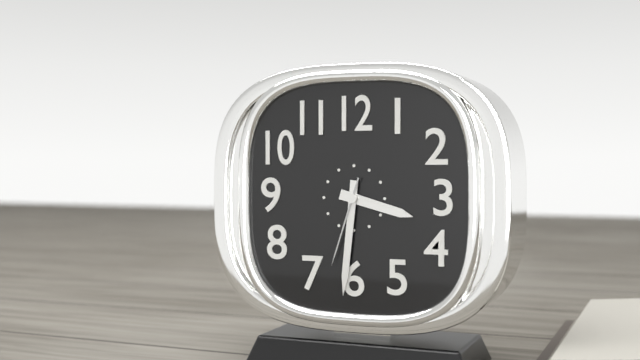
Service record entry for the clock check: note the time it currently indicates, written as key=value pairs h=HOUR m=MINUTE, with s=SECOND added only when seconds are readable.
h=3 m=31 s=33
